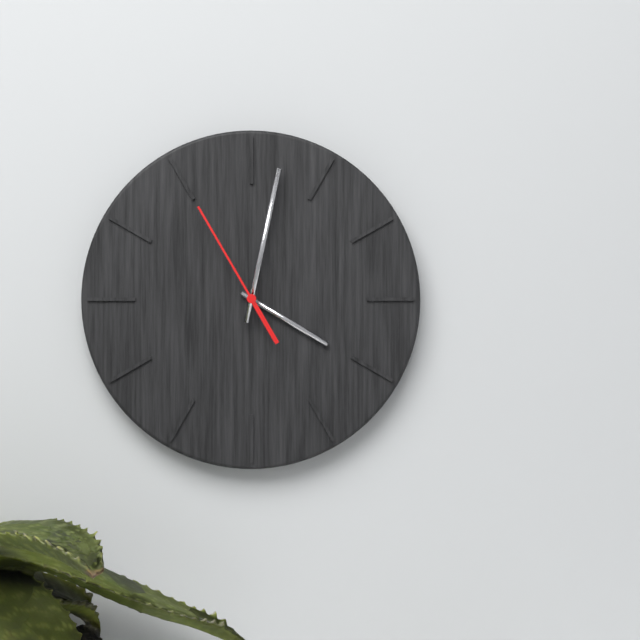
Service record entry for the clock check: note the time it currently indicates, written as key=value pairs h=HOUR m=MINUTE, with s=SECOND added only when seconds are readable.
h=4 m=2 s=55
